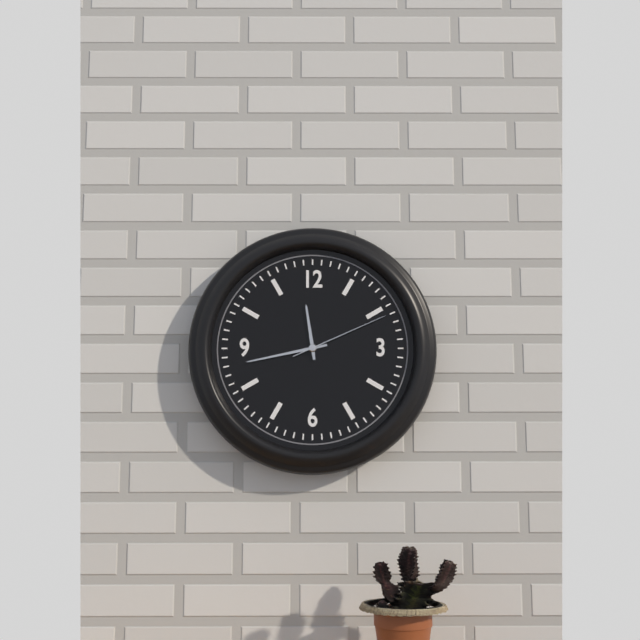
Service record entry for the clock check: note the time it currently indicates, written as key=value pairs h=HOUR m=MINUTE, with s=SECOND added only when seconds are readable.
h=11 m=43 s=11
